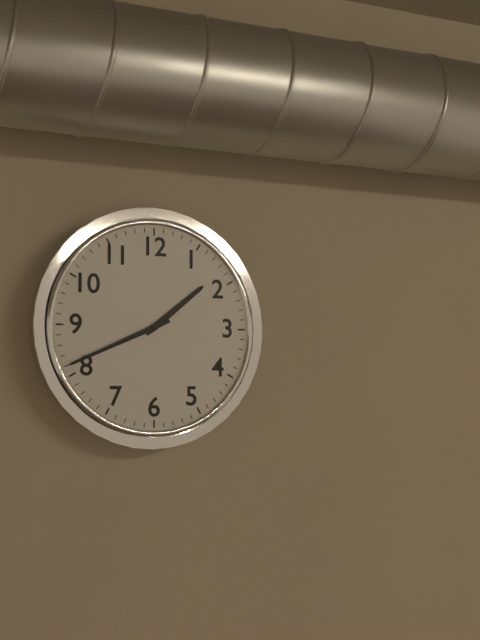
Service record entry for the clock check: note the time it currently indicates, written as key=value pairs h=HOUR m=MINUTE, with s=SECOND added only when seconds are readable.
h=1 m=41
